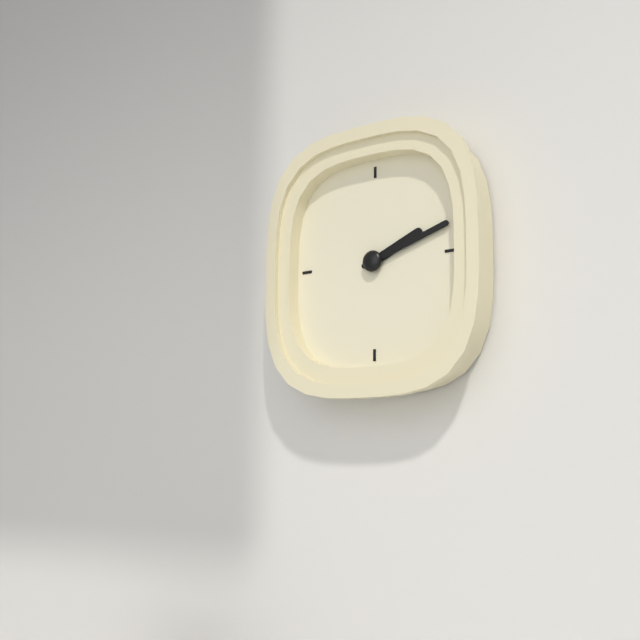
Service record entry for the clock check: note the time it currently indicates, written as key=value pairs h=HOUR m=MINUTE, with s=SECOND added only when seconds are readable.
h=2 m=12
